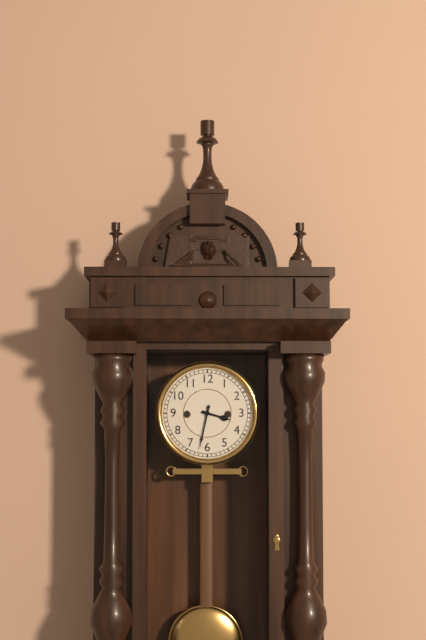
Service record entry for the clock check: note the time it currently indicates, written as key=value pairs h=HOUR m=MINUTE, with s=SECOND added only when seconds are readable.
h=3 m=32
